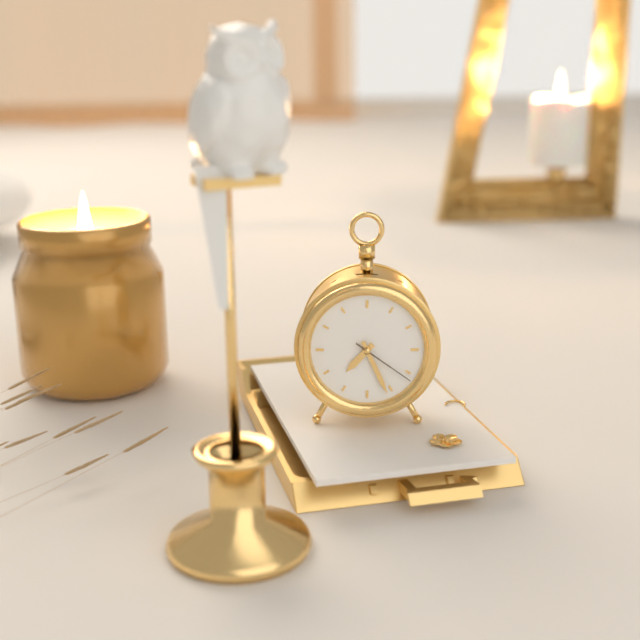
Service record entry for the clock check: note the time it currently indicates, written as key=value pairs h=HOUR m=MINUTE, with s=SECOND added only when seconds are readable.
h=7 m=26 s=21
